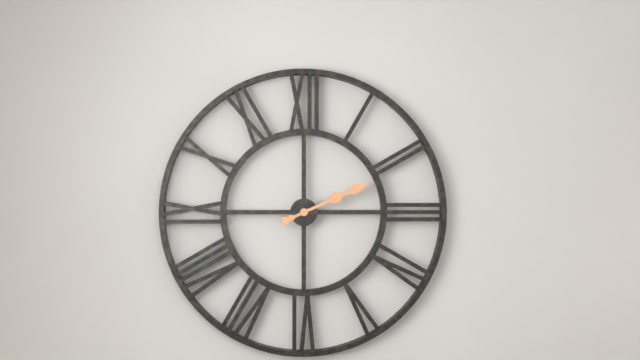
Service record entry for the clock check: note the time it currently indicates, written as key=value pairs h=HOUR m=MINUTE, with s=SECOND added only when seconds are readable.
h=2 m=11
